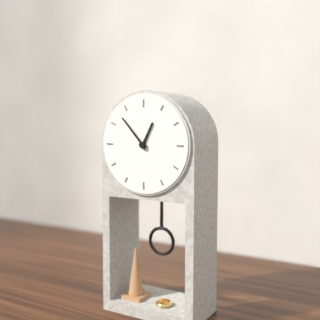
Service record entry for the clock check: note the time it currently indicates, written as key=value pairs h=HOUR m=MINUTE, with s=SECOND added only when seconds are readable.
h=12 m=53
